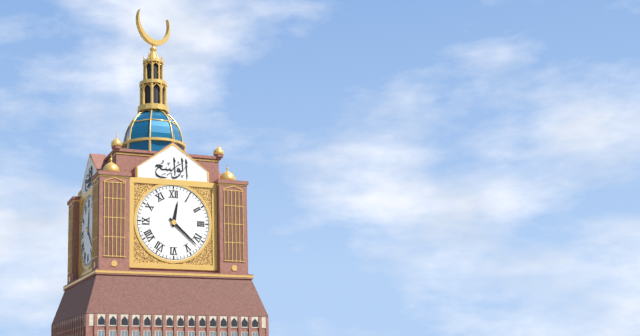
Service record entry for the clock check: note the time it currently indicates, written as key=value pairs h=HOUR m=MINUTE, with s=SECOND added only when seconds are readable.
h=12 m=22
